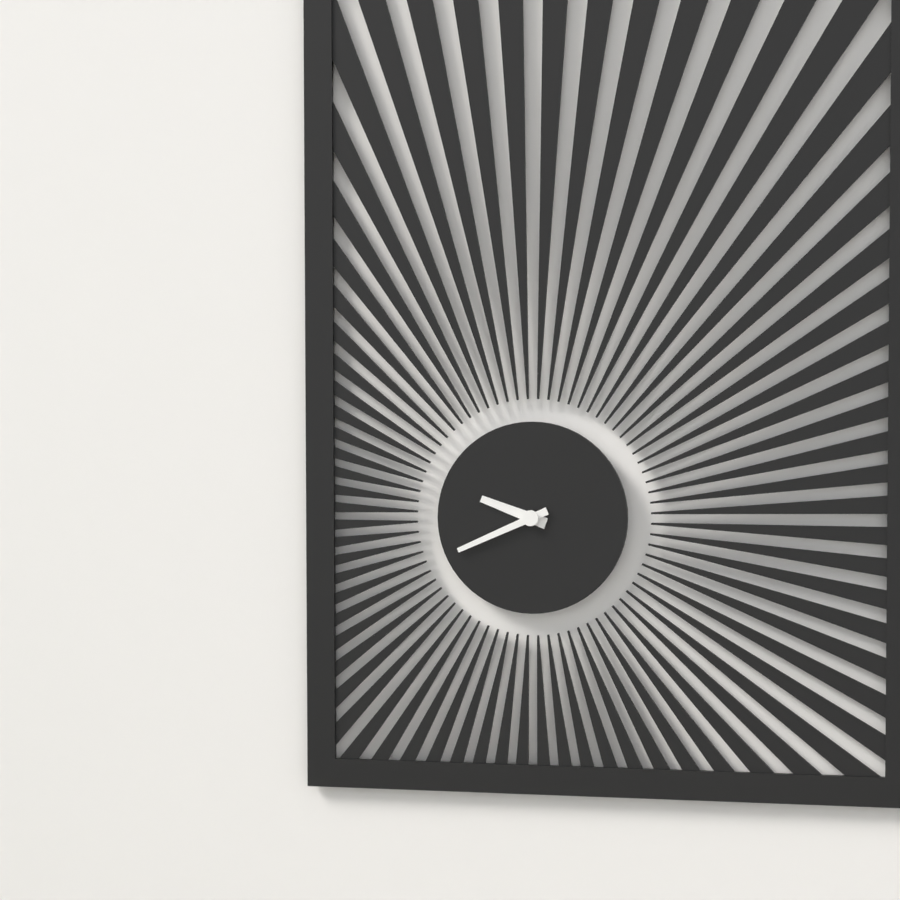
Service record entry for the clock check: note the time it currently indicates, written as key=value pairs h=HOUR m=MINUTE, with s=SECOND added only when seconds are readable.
h=9 m=41
